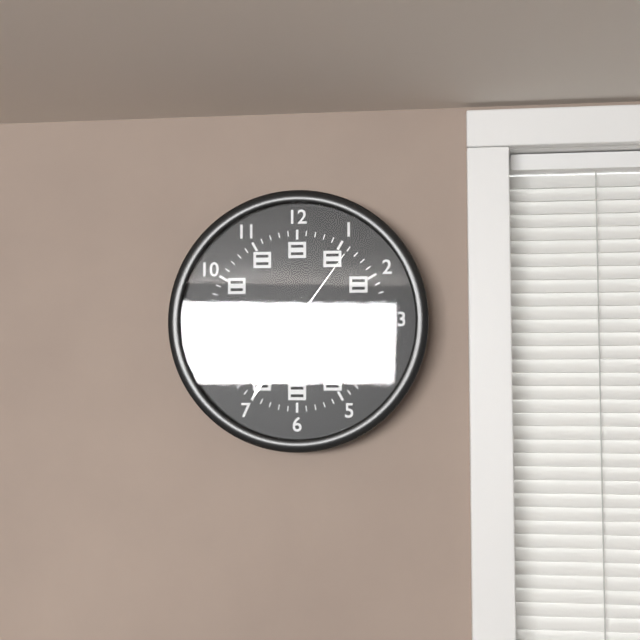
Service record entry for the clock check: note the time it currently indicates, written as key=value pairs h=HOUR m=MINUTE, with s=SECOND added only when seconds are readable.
h=2 m=35 s=6
